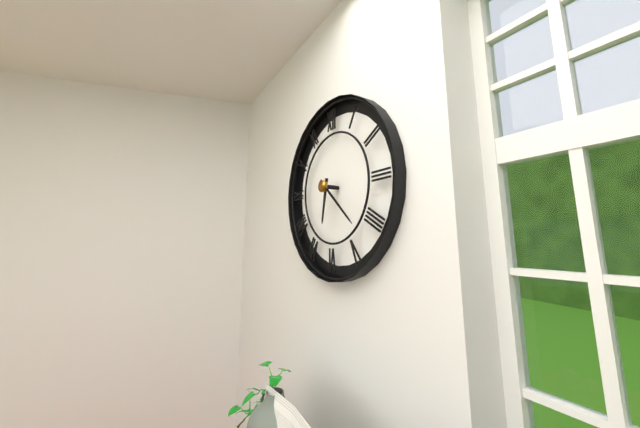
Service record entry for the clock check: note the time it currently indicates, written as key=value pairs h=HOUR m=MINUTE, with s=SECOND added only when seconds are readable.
h=6 m=22
